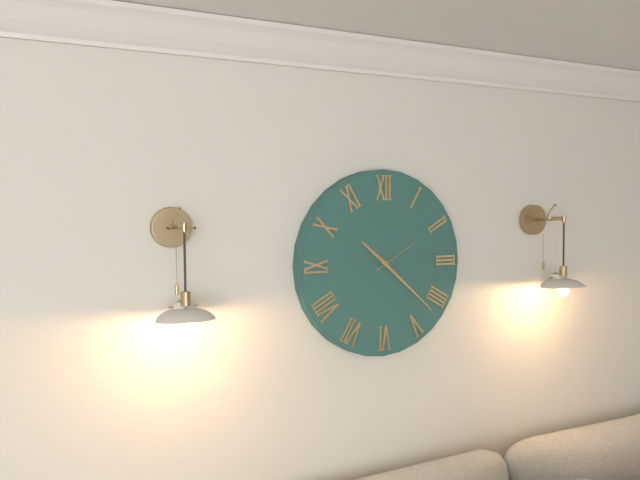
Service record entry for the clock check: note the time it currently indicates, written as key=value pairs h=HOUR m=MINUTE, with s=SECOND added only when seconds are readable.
h=10 m=22 s=10
